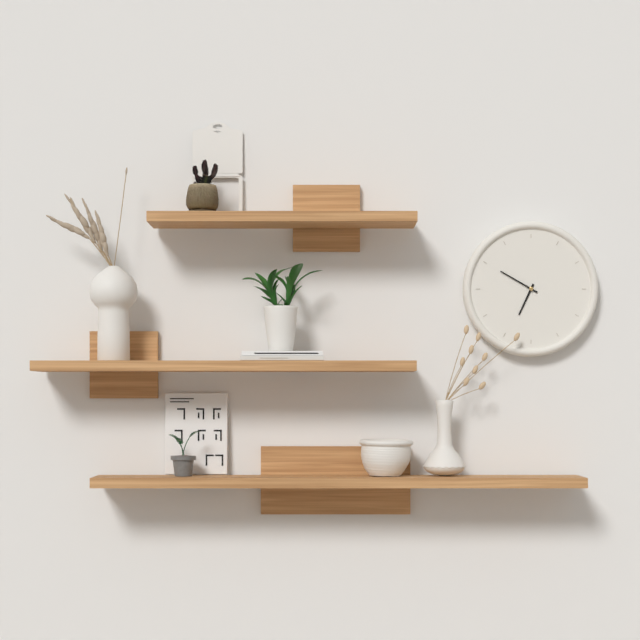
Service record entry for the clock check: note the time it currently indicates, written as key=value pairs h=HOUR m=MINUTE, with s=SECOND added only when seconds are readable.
h=6 m=50
